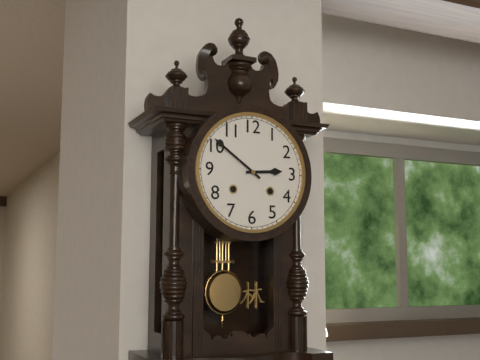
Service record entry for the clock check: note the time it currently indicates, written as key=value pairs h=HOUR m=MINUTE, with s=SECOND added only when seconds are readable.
h=2 m=51
